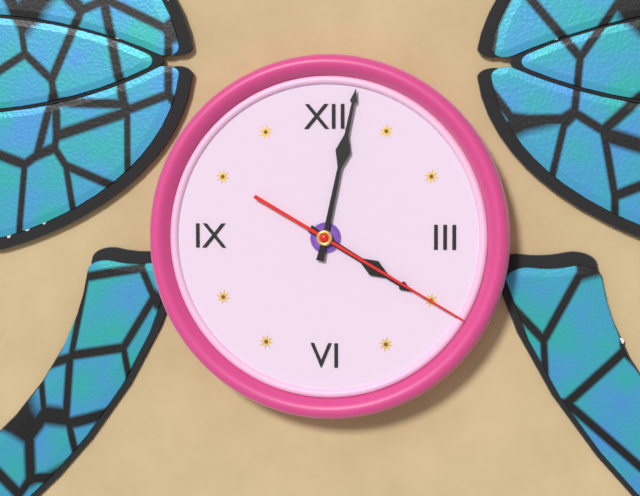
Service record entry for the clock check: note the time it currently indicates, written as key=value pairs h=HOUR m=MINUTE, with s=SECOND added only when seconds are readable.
h=4 m=2 s=20
